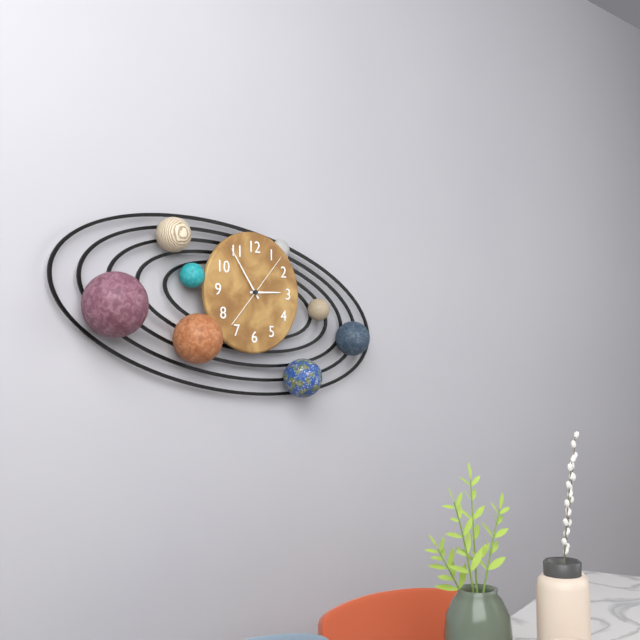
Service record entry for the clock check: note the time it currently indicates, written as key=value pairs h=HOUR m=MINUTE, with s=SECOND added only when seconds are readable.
h=2 m=54 s=7
